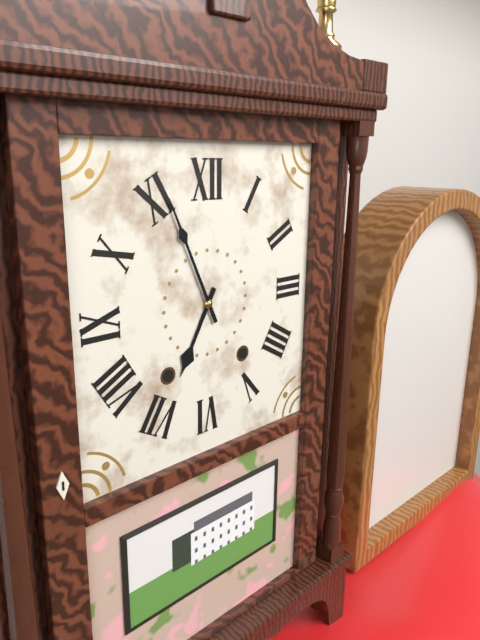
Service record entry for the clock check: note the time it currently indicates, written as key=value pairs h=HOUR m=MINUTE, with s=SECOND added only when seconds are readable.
h=6 m=56
